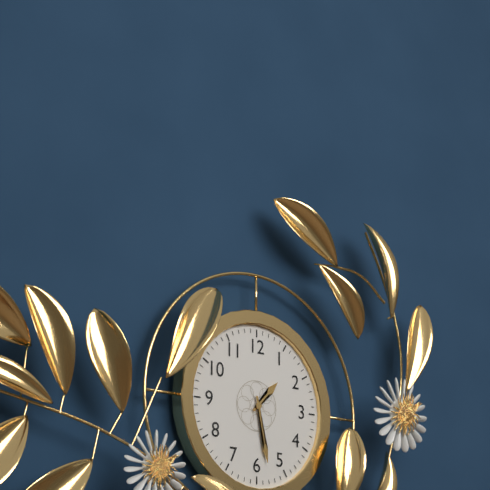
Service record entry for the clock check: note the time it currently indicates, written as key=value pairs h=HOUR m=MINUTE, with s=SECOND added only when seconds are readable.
h=1 m=28
